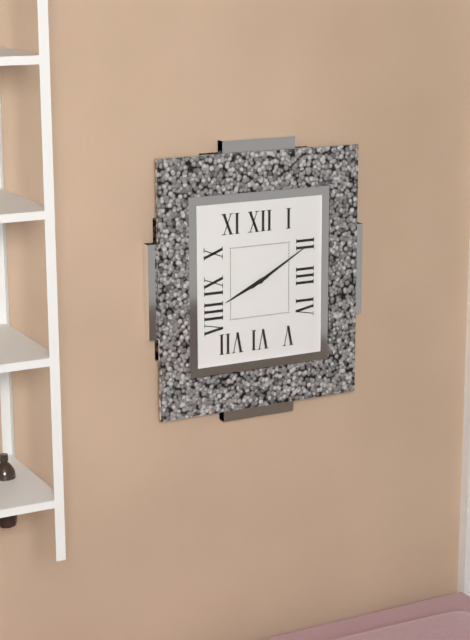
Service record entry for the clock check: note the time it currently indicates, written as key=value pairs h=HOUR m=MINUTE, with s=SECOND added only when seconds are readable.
h=8 m=10
